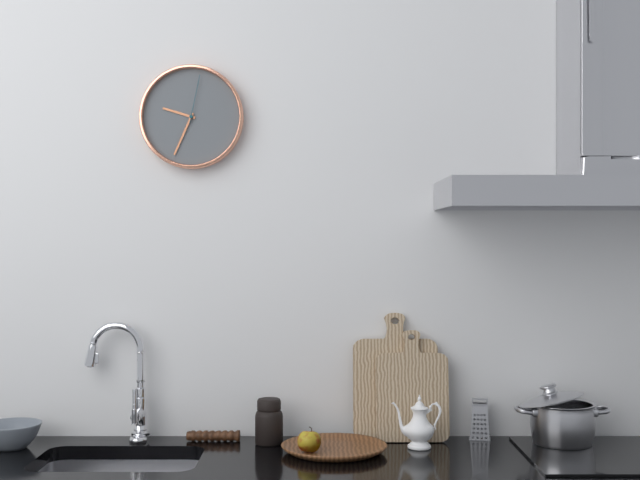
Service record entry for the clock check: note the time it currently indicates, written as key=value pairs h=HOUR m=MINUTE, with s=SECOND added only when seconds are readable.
h=9 m=34 s=2
